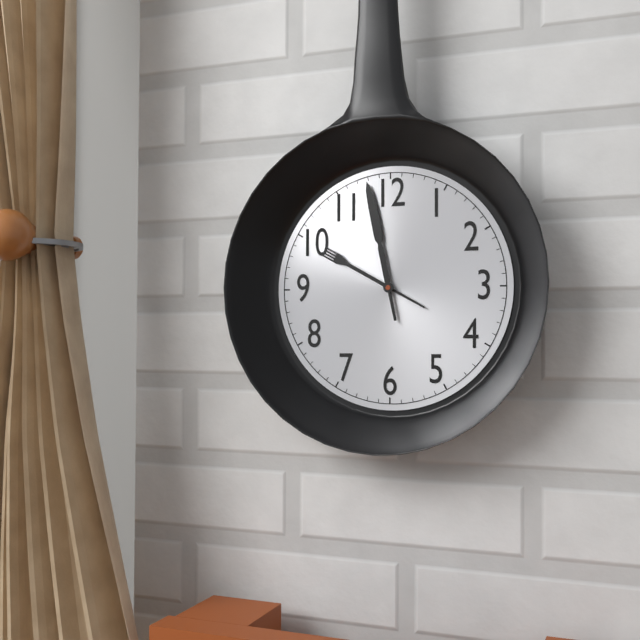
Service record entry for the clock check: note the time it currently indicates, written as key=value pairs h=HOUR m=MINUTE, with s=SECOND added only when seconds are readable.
h=9 m=58
